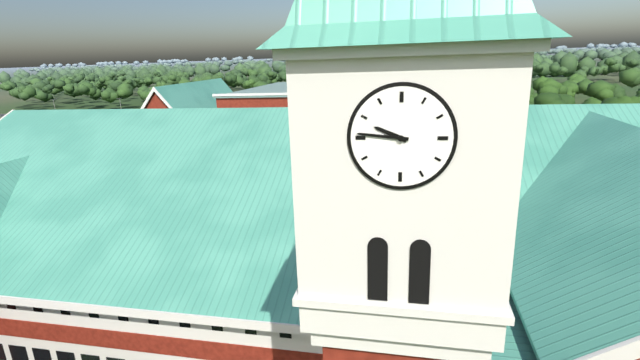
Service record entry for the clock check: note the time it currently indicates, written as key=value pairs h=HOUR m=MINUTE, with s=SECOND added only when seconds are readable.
h=9 m=46
